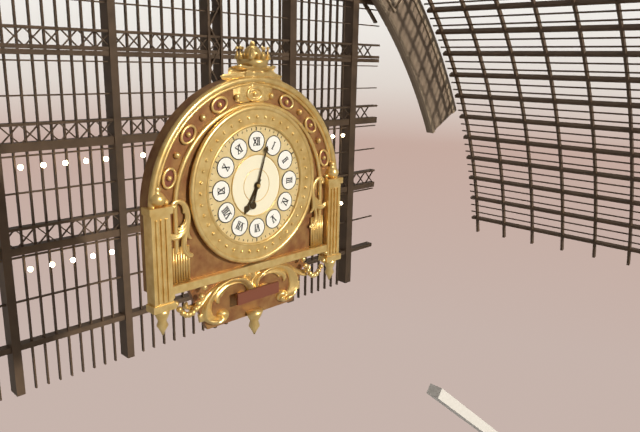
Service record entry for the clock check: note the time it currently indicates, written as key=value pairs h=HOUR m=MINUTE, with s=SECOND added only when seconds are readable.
h=7 m=3
